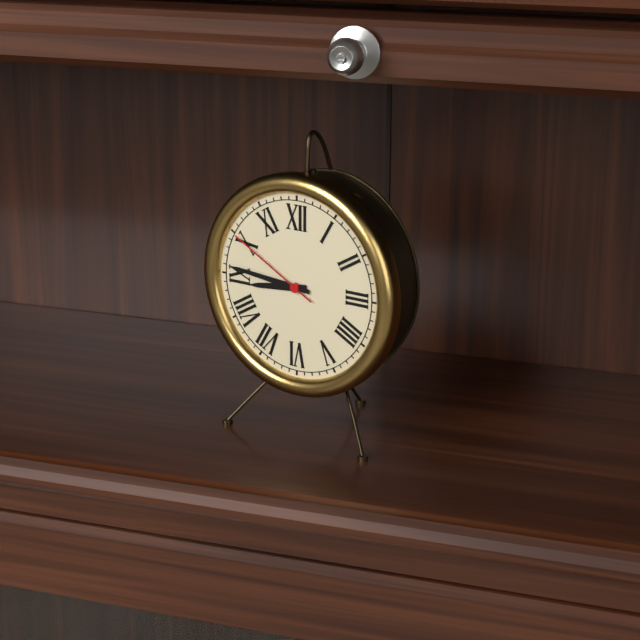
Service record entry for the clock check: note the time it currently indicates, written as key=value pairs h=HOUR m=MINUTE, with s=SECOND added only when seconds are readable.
h=8 m=46 s=50
